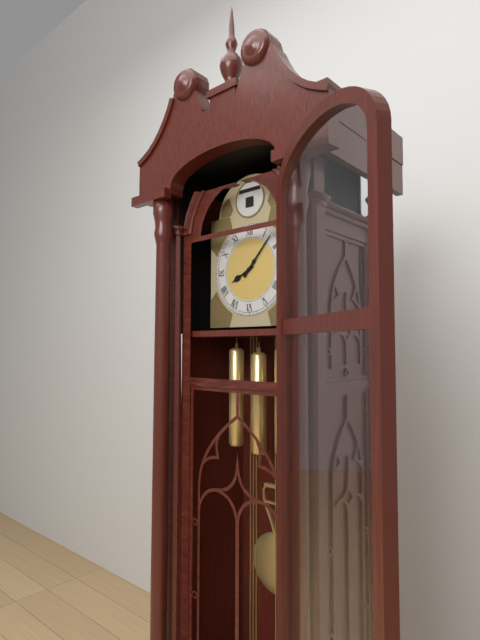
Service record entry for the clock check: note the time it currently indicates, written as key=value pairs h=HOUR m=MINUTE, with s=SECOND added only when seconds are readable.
h=8 m=7
